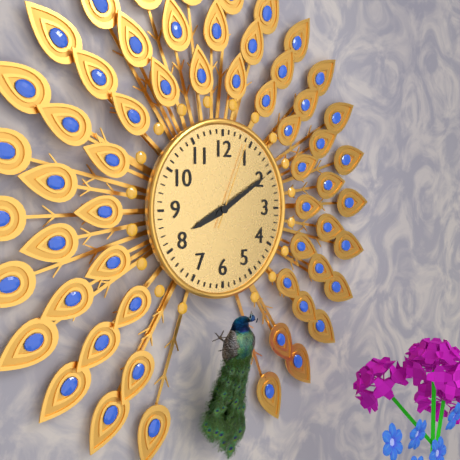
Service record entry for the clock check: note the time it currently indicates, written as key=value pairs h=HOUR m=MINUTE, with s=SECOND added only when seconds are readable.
h=8 m=10 s=4
